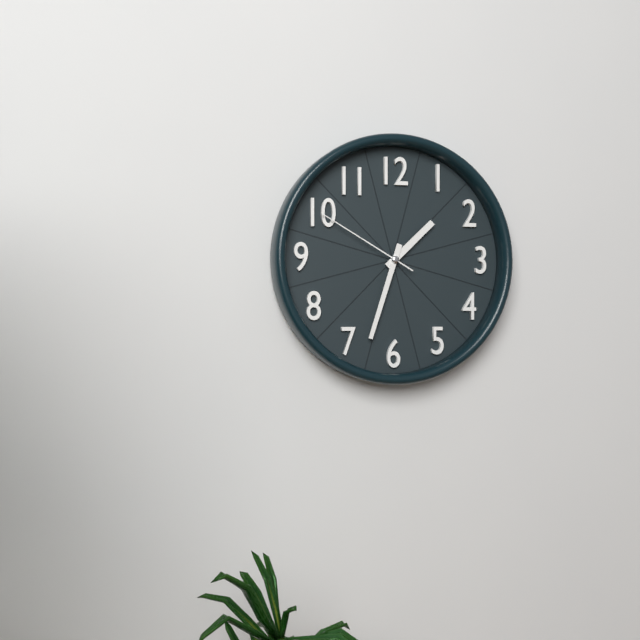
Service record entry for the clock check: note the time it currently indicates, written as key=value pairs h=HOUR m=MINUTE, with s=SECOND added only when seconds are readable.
h=1 m=33 s=50
